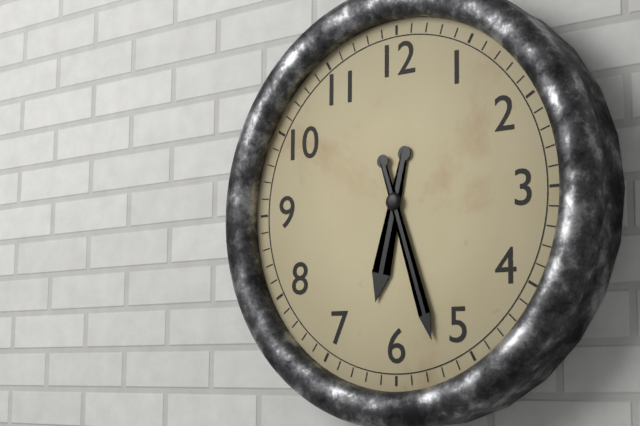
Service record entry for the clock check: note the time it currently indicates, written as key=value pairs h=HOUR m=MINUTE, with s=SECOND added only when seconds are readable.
h=6 m=27
